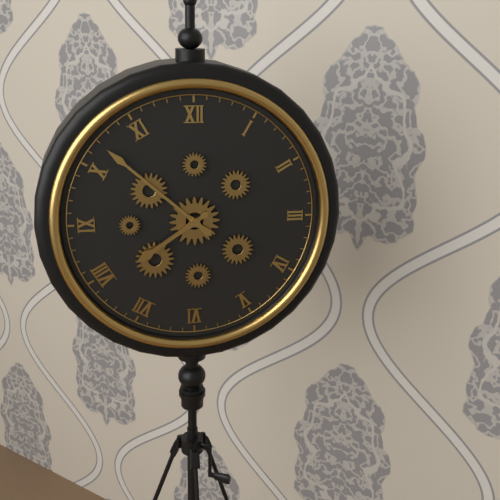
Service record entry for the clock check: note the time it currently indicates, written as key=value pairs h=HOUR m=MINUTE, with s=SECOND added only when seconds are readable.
h=7 m=52
